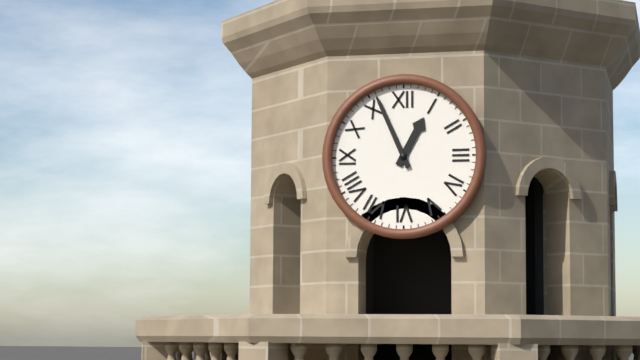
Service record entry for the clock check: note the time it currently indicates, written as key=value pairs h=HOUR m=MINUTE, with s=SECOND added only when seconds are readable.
h=12 m=56
